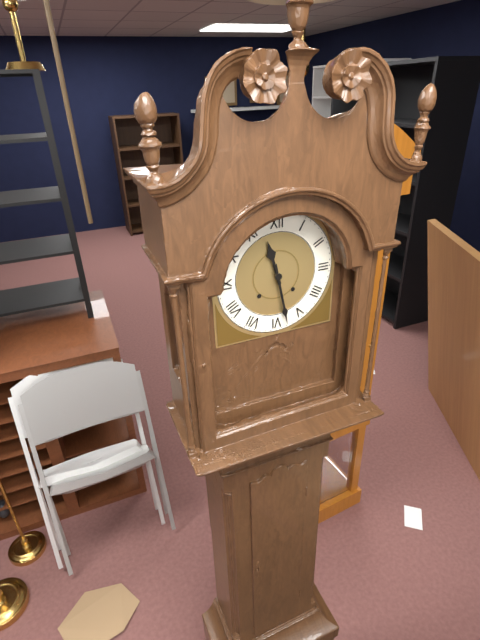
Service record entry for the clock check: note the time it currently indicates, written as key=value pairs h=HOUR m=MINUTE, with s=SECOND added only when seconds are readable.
h=11 m=28
